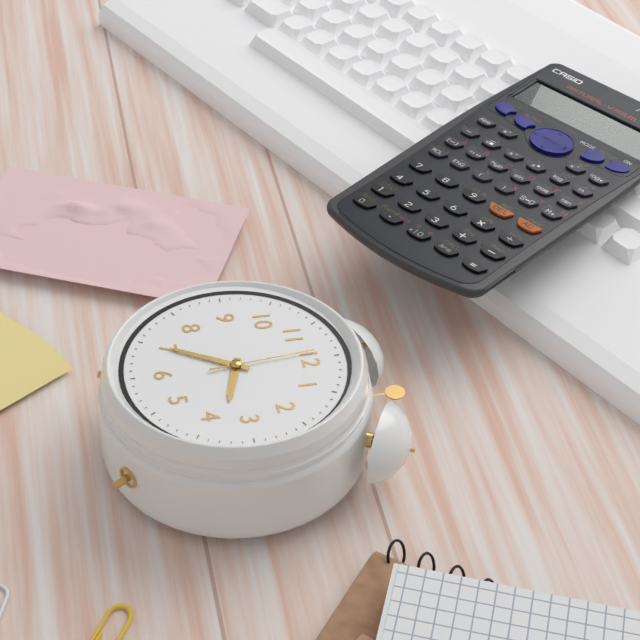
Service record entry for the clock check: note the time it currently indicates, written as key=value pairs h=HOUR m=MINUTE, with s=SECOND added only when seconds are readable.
h=3 m=35 s=59
